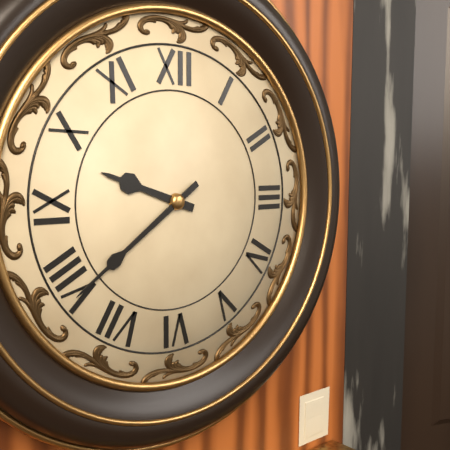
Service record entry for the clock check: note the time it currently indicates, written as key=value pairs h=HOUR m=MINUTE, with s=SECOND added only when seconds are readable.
h=9 m=39
